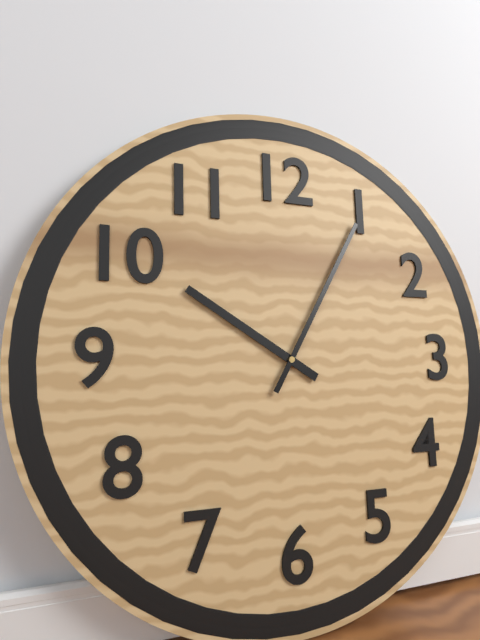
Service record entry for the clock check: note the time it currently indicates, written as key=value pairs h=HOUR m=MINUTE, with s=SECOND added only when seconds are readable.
h=10 m=5
